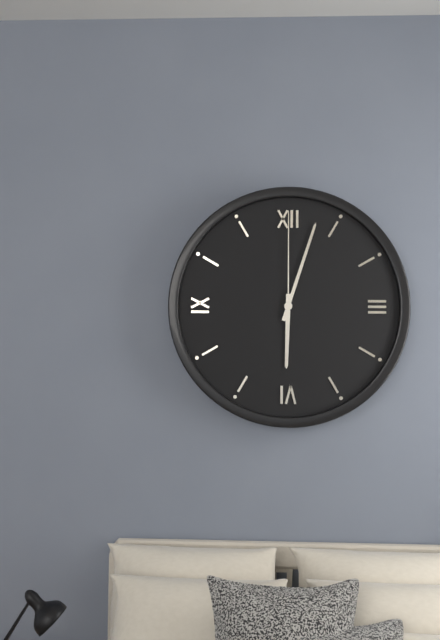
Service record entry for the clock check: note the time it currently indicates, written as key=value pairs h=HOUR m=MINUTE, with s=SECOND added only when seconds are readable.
h=6 m=3 s=0
